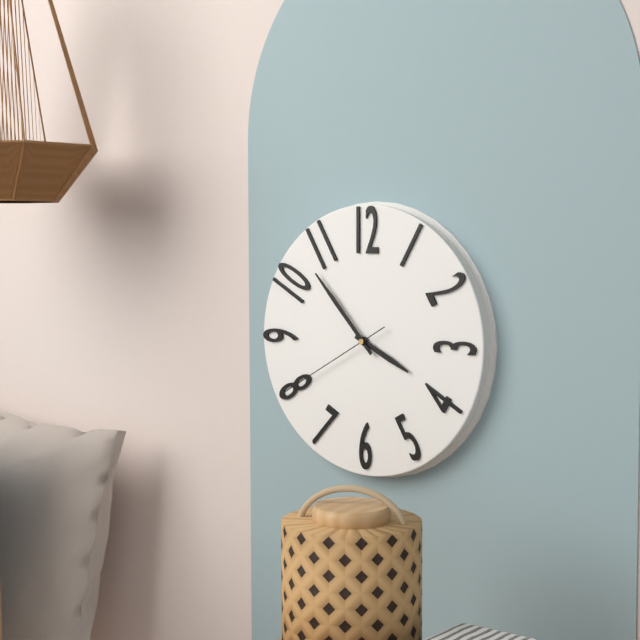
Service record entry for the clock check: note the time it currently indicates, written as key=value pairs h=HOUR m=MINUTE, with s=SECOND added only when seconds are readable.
h=3 m=53 s=40
